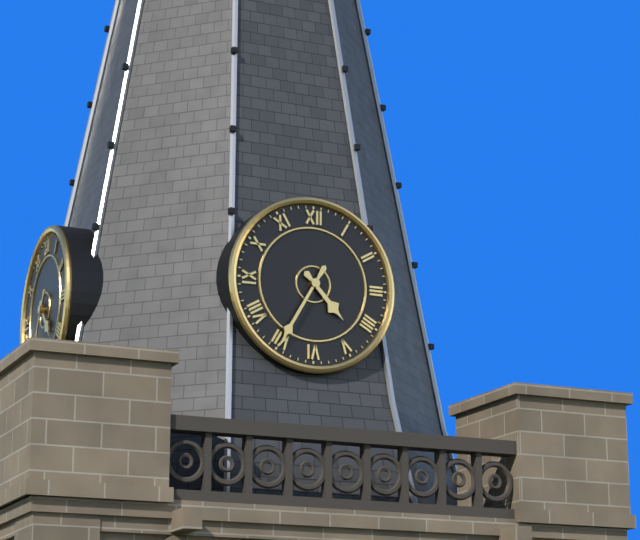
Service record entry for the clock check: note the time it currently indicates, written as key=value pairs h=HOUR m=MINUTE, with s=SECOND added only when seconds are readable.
h=4 m=35
